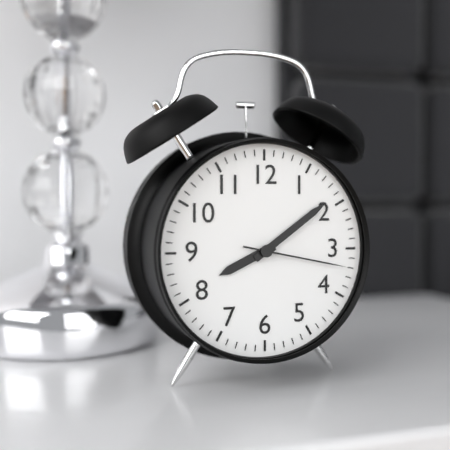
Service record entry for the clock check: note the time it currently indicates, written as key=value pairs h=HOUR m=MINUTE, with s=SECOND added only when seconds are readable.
h=8 m=9 s=17
